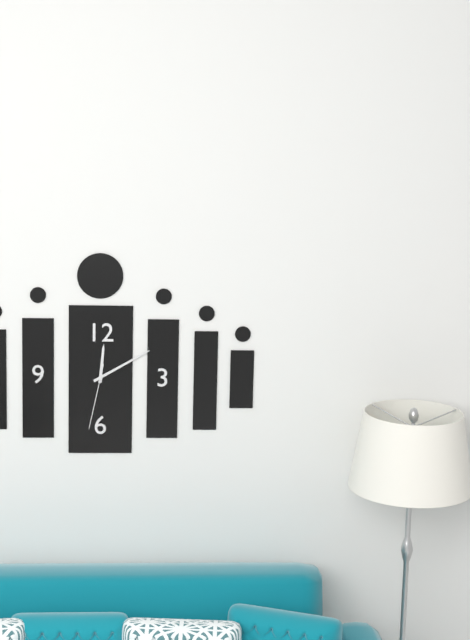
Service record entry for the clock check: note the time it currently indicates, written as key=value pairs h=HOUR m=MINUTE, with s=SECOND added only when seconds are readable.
h=12 m=10 s=32
